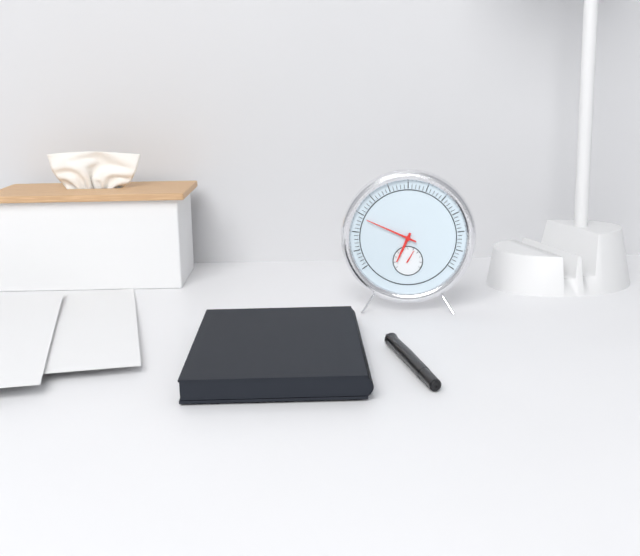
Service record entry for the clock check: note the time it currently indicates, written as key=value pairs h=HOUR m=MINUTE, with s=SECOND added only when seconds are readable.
h=6 m=49
